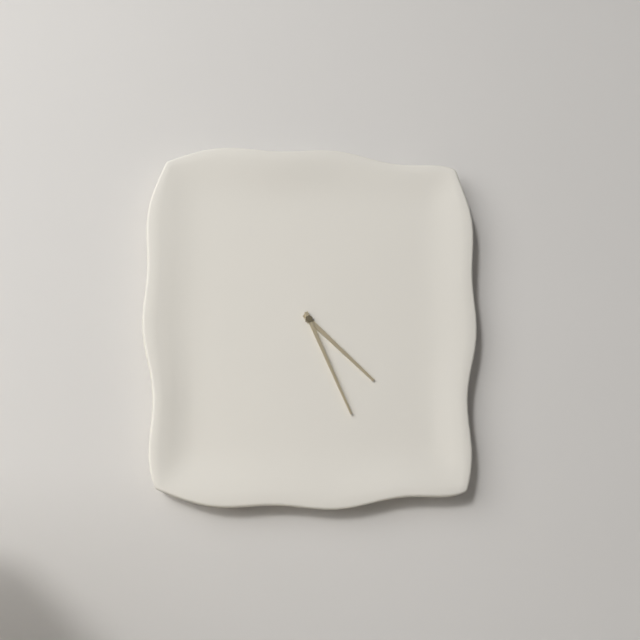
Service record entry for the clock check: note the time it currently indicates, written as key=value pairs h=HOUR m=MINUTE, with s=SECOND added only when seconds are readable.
h=4 m=26
